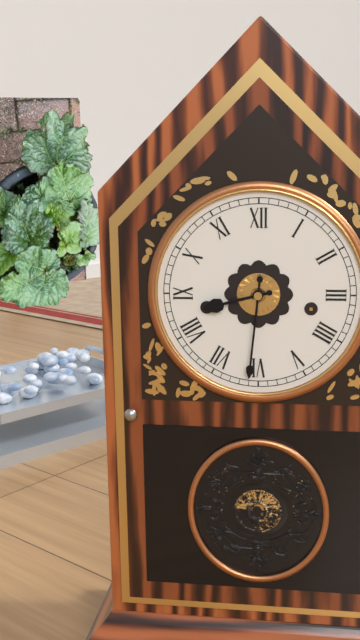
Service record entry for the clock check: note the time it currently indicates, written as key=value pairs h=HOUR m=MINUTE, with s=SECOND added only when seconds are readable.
h=8 m=31
